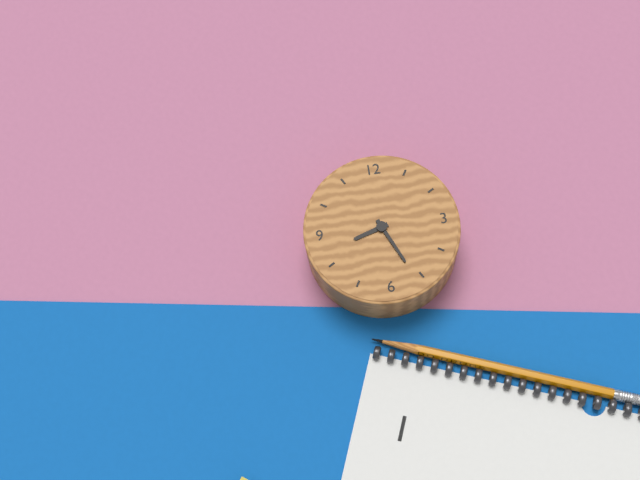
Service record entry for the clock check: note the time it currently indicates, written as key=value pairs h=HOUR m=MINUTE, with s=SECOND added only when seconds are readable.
h=8 m=26
